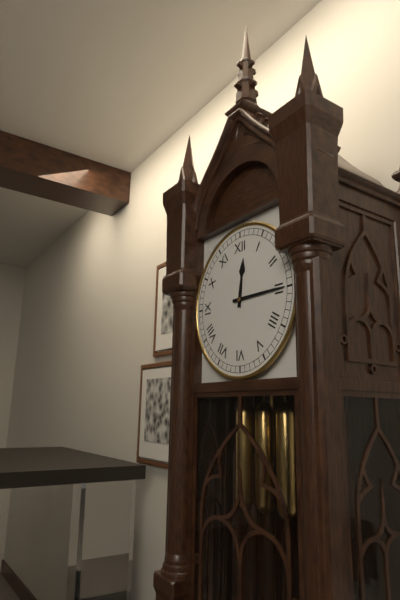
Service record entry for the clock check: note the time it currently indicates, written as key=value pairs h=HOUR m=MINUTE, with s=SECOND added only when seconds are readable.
h=12 m=15
